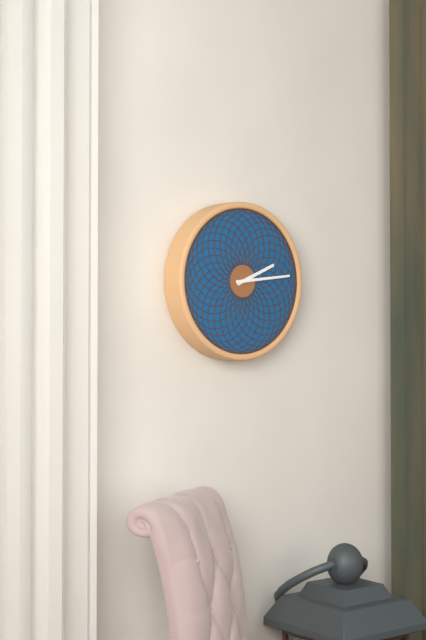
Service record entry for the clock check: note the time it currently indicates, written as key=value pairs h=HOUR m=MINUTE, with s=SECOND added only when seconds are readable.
h=2 m=14
